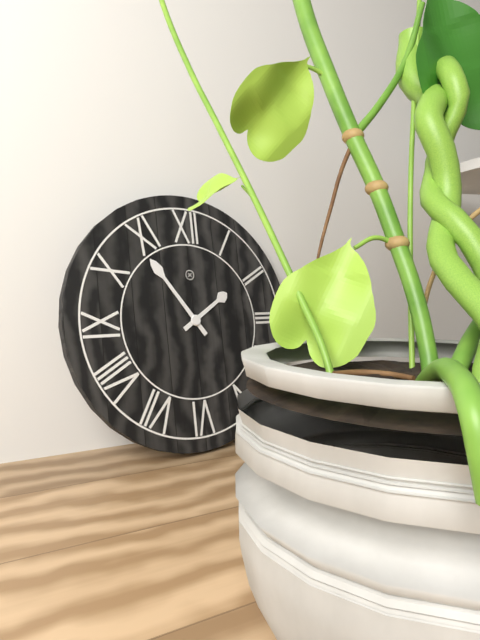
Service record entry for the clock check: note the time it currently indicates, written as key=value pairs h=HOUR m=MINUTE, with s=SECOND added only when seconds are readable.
h=1 m=54
